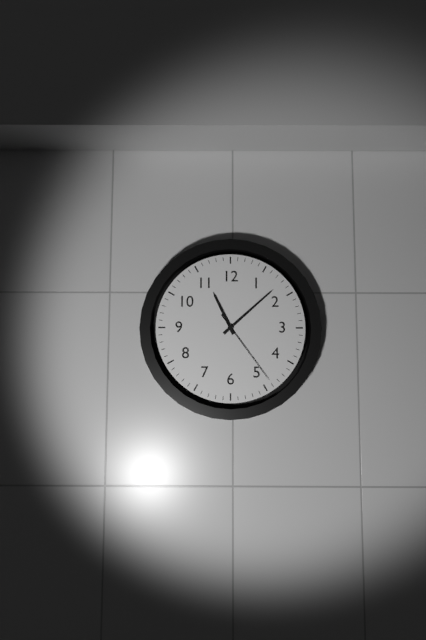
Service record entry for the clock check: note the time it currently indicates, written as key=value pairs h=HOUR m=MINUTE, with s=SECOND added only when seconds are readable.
h=11 m=8 s=24
